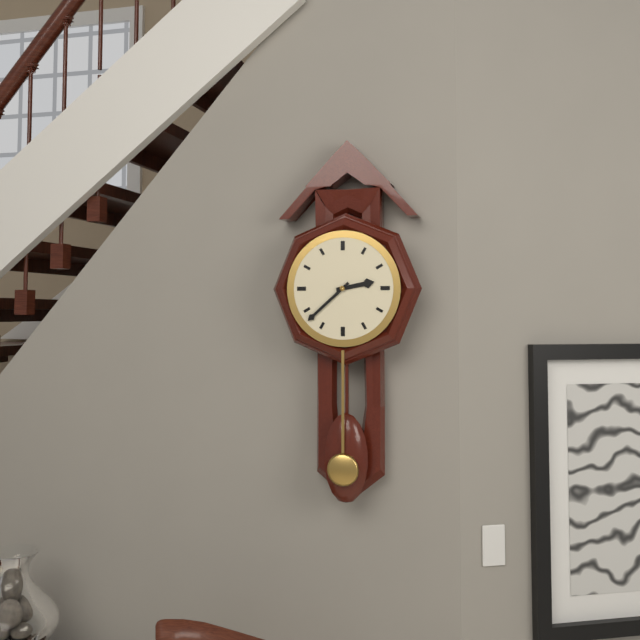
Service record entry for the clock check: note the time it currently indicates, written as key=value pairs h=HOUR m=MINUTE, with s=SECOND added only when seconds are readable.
h=2 m=38
